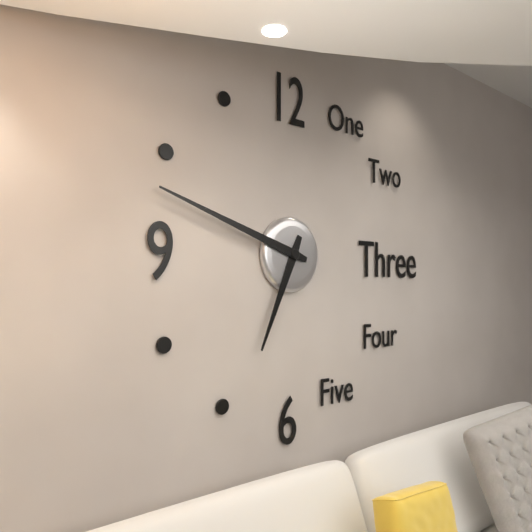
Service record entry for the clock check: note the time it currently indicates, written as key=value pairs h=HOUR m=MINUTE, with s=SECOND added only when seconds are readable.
h=6 m=48
